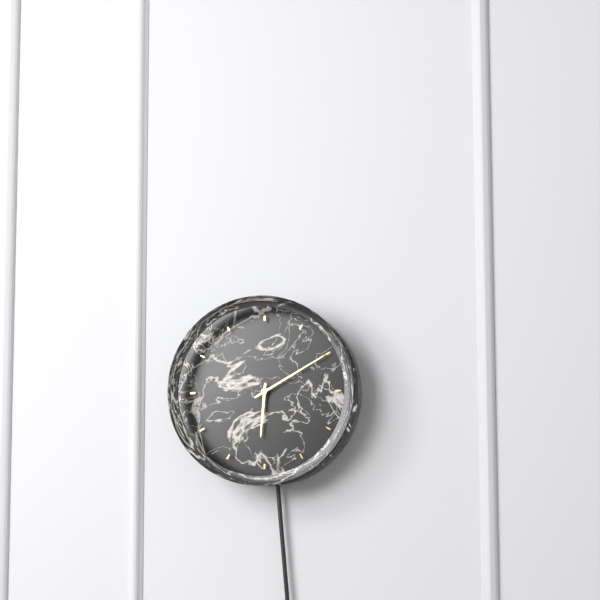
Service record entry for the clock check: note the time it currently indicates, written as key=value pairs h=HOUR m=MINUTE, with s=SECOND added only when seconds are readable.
h=6 m=10
